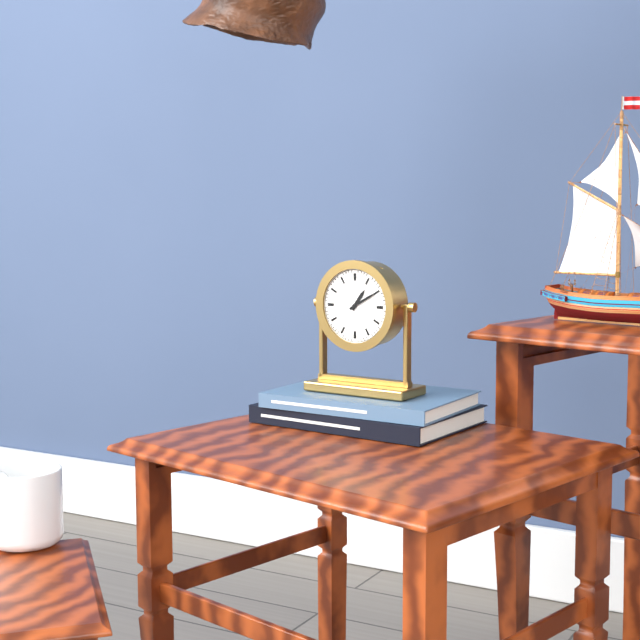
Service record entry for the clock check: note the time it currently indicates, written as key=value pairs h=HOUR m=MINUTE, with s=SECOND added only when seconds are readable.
h=1 m=10
